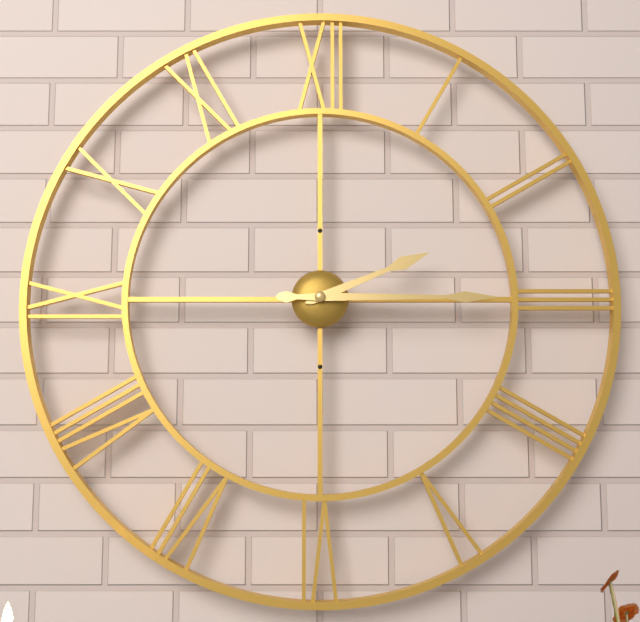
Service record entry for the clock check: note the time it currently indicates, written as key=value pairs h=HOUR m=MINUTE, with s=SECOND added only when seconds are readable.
h=2 m=15
